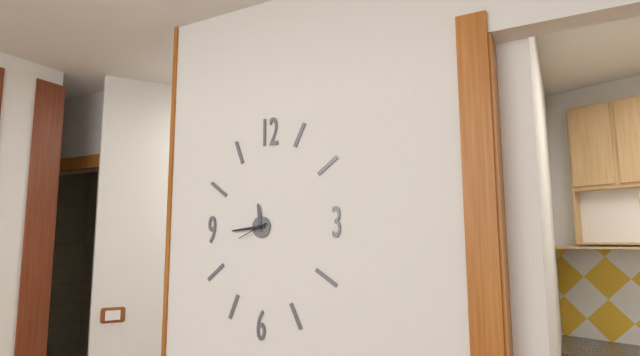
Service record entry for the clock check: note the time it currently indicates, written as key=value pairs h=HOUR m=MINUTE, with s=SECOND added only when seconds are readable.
h=11 m=44
